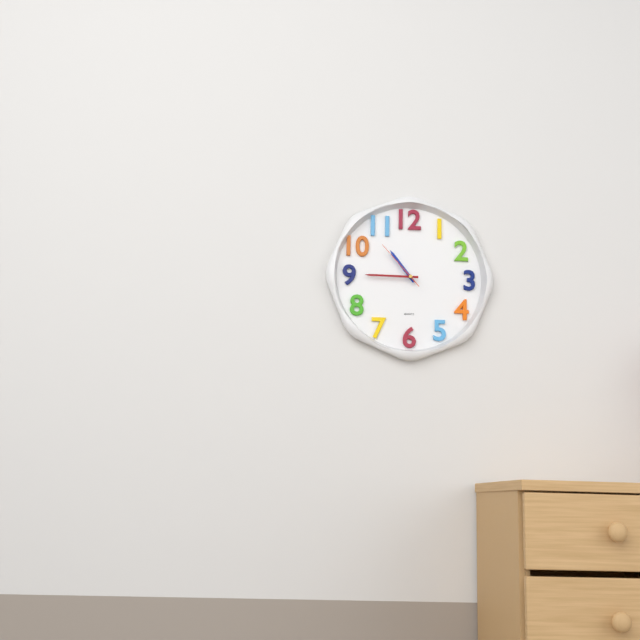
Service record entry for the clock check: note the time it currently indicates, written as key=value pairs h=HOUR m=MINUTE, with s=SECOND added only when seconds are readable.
h=10 m=45 s=53
